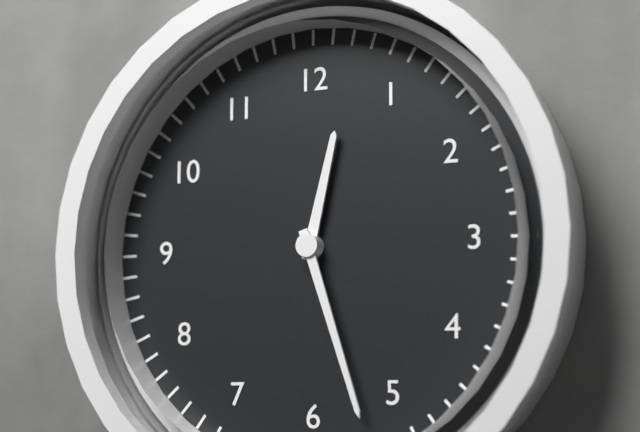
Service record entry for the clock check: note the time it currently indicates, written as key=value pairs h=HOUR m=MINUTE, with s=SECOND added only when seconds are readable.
h=12 m=27
